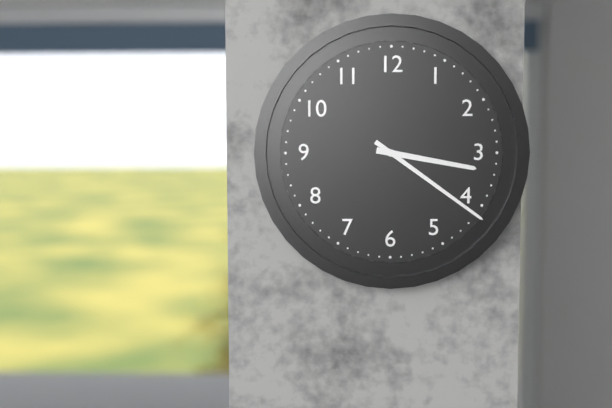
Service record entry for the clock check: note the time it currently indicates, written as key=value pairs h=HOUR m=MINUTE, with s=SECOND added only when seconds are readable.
h=3 m=21
